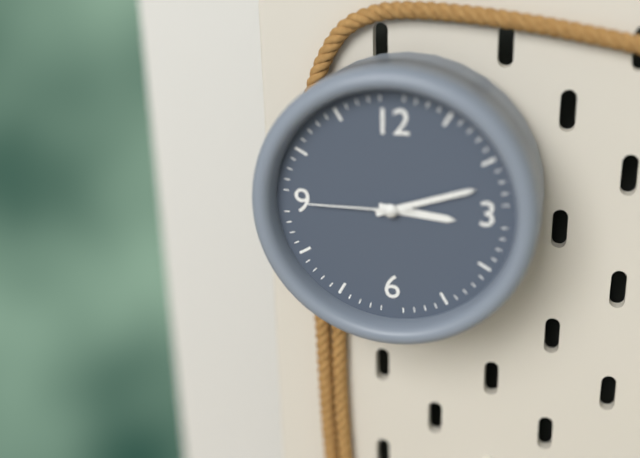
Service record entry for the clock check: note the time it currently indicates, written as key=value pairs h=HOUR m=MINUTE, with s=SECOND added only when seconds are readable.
h=3 m=12 s=45
